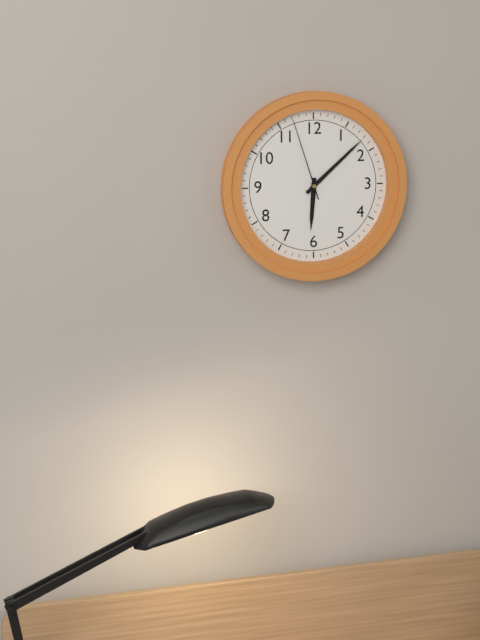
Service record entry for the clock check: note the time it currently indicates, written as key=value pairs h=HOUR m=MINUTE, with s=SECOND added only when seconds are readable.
h=6 m=8 s=57
